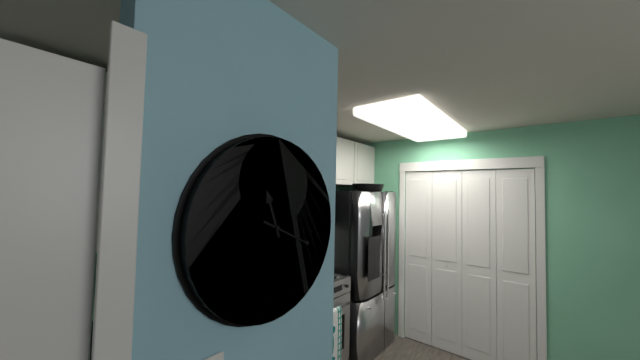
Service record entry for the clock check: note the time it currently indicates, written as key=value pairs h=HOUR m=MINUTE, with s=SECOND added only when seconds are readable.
h=11 m=19
